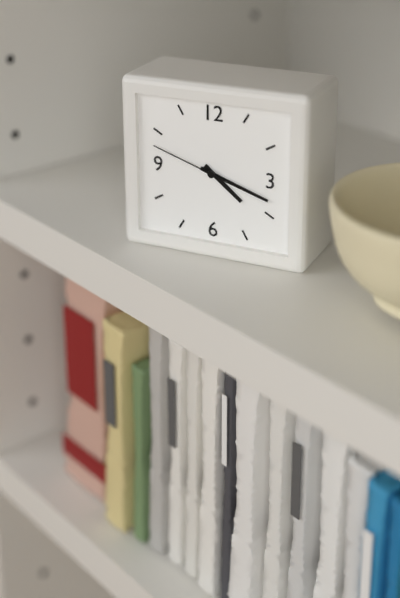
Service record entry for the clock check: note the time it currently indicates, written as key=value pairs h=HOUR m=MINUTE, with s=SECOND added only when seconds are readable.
h=4 m=18 s=48
